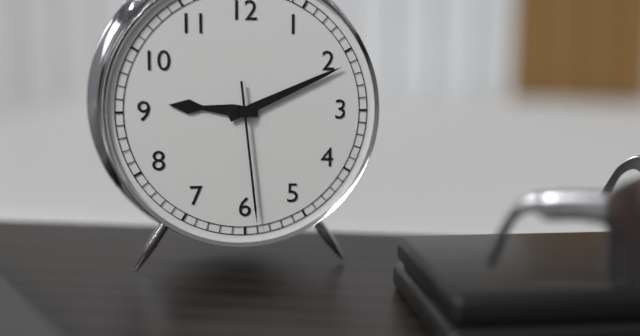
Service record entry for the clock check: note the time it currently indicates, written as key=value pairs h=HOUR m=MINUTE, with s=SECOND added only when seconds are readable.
h=9 m=11 s=29
